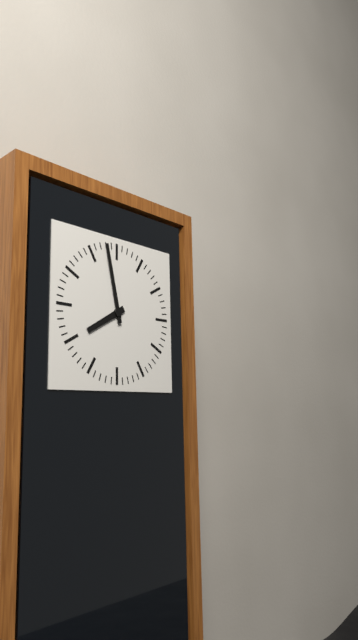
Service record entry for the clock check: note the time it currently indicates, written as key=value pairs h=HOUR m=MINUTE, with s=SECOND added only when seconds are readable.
h=7 m=58
